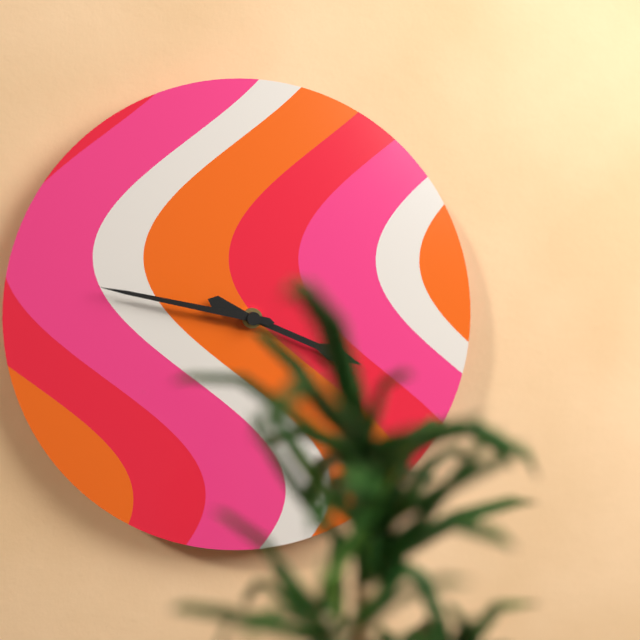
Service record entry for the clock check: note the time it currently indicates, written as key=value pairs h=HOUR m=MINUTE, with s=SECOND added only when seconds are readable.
h=3 m=47
